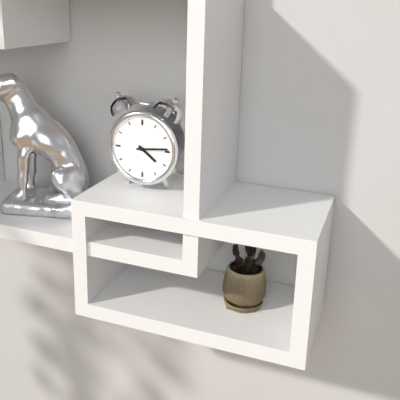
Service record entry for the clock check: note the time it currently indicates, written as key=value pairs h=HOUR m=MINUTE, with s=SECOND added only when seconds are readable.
h=4 m=14
